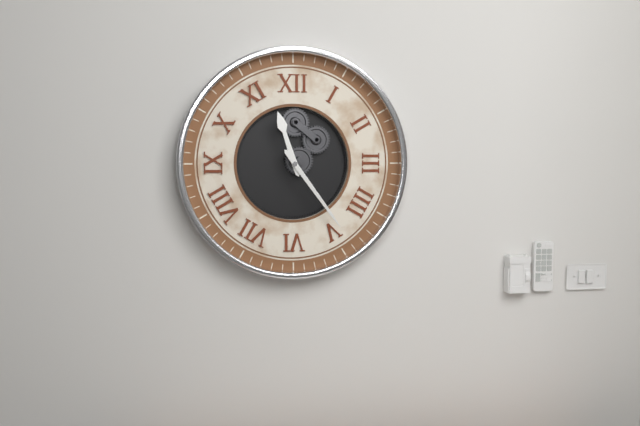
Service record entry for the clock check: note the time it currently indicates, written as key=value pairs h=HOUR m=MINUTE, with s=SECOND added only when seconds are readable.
h=11 m=24
